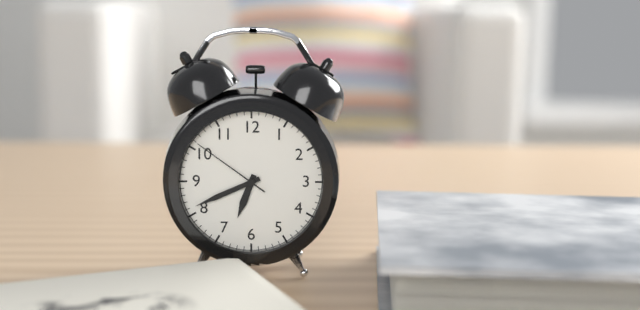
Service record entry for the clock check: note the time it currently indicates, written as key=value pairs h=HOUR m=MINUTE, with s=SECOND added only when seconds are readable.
h=6 m=41 s=51
